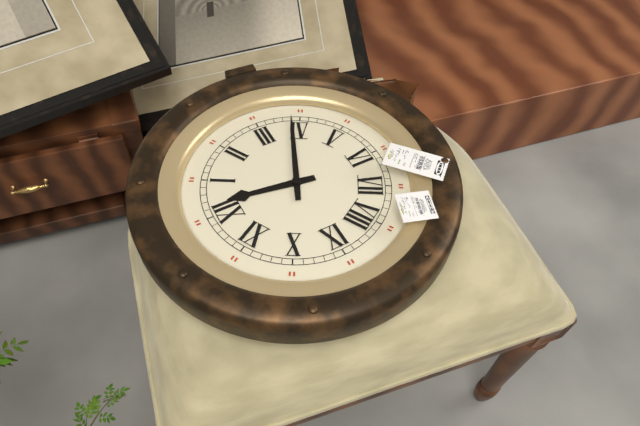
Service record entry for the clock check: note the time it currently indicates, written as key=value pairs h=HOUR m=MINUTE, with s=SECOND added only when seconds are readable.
h=12 m=19
